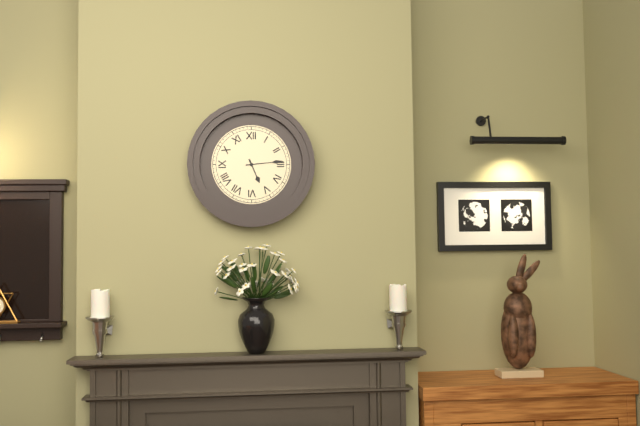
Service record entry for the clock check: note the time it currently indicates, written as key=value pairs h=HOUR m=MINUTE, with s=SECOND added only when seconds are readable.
h=5 m=14
